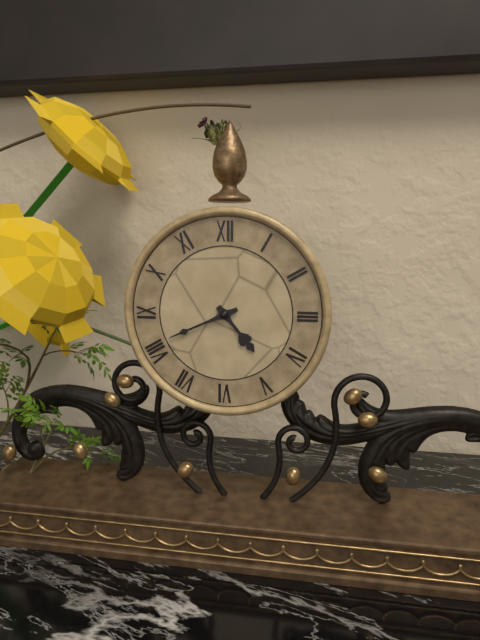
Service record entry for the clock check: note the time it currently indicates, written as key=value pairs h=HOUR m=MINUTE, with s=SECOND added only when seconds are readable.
h=4 m=41
